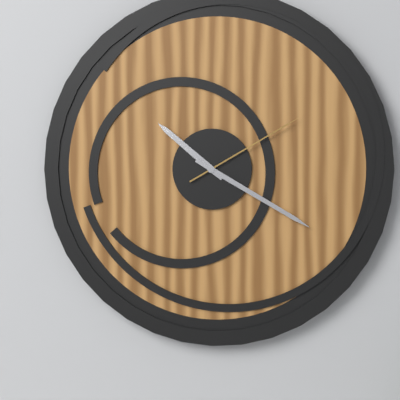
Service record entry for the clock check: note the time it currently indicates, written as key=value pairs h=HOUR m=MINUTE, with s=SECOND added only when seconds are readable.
h=10 m=20 s=10
